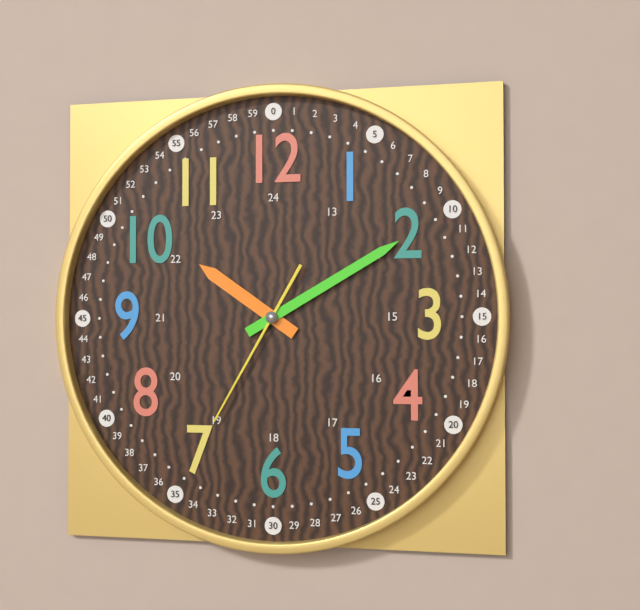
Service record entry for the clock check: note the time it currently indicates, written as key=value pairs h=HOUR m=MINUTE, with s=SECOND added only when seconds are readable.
h=10 m=10 s=35
